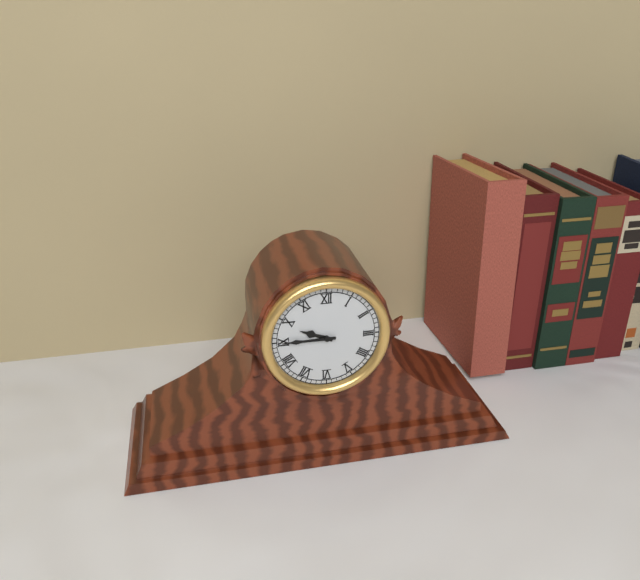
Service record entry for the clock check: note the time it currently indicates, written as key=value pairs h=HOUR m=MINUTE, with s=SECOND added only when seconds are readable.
h=9 m=45
